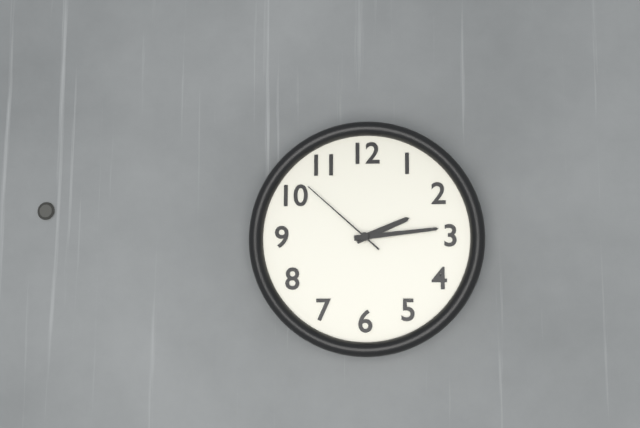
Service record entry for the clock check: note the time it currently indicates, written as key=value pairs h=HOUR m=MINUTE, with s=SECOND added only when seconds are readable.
h=2 m=14 s=52
